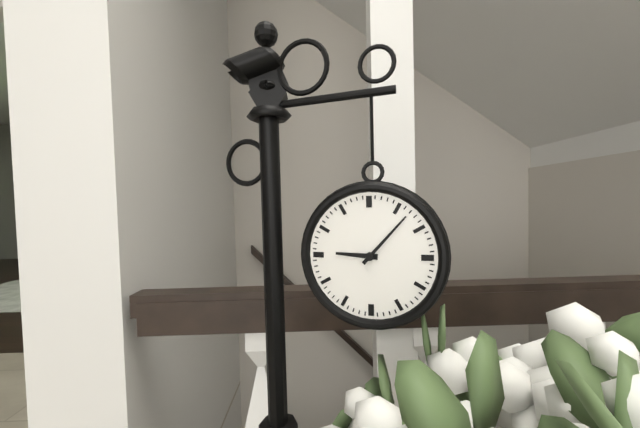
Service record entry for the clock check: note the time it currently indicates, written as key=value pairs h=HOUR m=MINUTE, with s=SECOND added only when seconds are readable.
h=9 m=7
